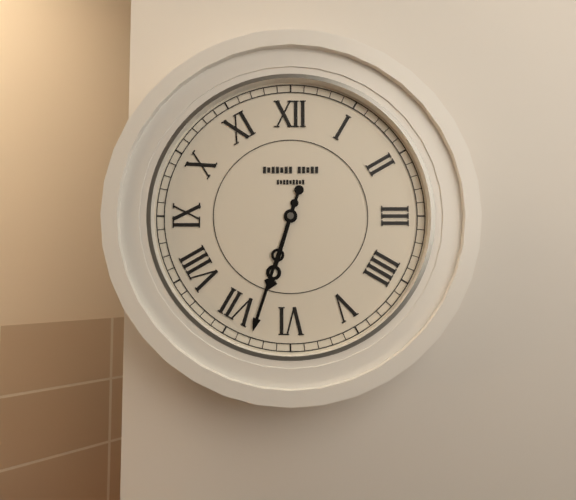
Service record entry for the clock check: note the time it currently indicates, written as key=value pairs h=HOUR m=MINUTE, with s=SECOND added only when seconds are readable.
h=6 m=33
